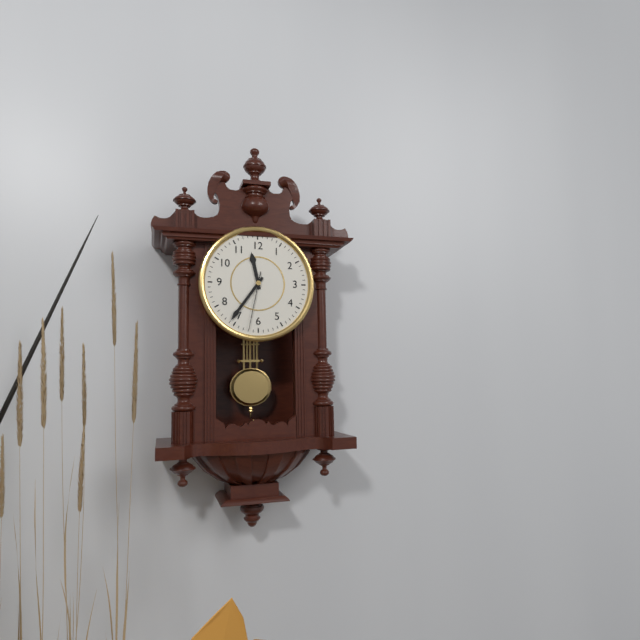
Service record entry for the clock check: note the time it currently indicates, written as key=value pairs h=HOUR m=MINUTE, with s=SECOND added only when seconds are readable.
h=11 m=36 s=32
